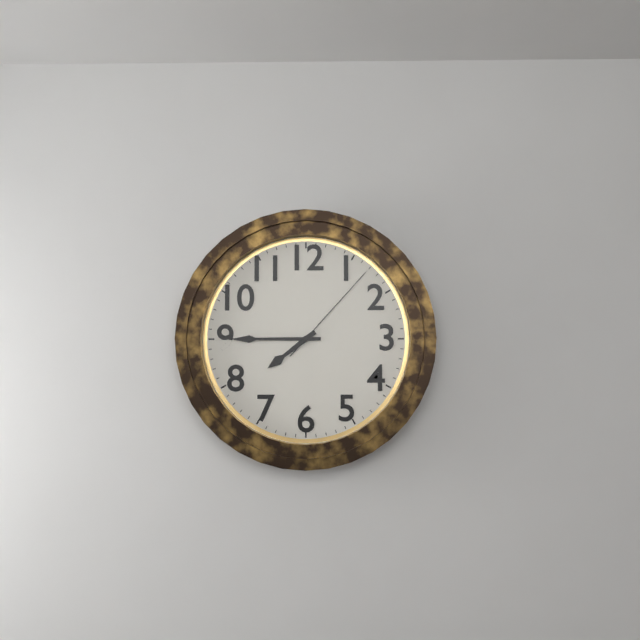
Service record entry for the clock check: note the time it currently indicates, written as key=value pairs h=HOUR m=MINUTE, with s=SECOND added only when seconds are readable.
h=7 m=45 s=7
